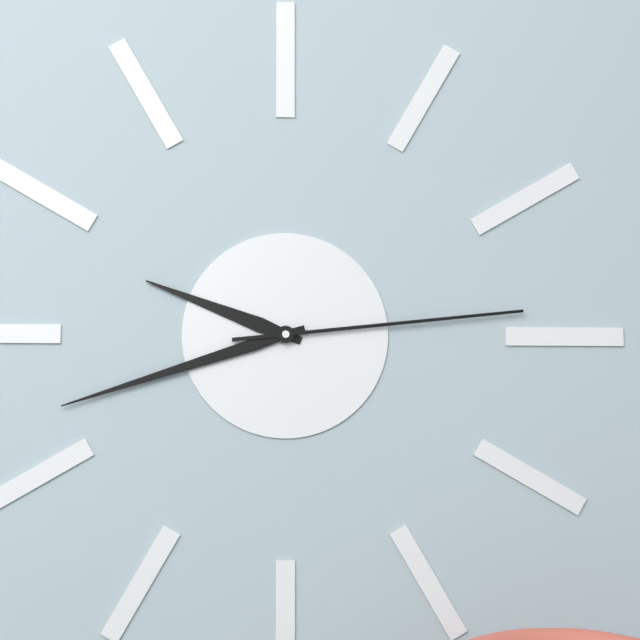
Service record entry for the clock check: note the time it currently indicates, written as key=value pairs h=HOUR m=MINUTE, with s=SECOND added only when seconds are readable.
h=9 m=42 s=14
